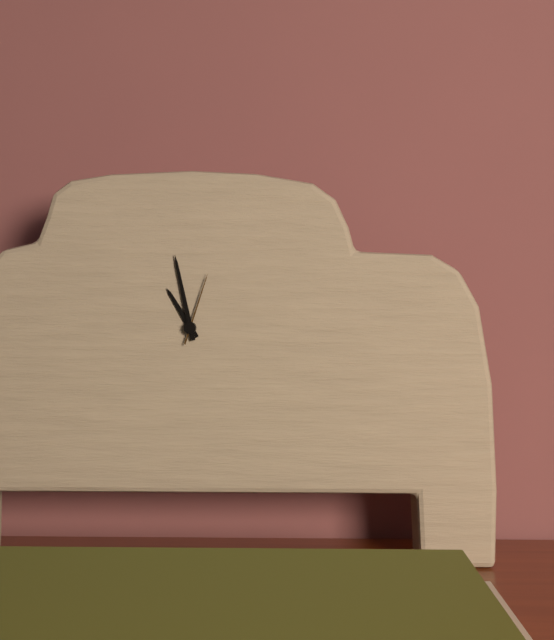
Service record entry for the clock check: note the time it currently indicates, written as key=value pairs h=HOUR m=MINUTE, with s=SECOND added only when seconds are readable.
h=10 m=58 s=3
